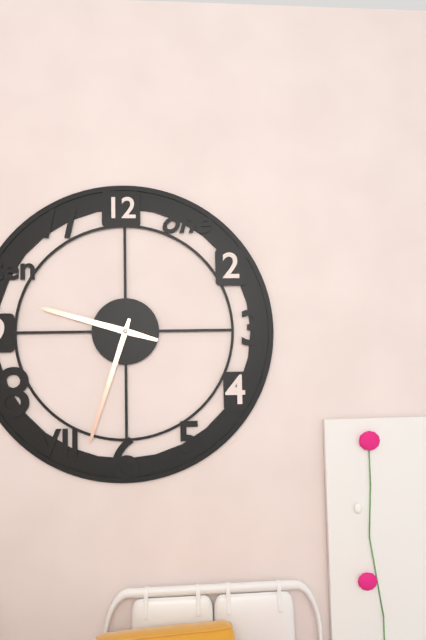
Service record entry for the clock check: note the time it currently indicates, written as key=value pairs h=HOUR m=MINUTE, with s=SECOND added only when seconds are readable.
h=9 m=33
